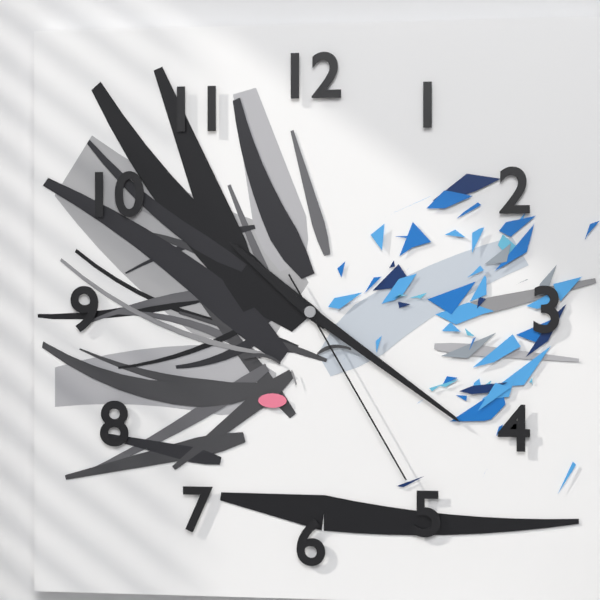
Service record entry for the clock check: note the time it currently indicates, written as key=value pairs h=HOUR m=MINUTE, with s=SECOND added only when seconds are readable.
h=10 m=21 s=25
